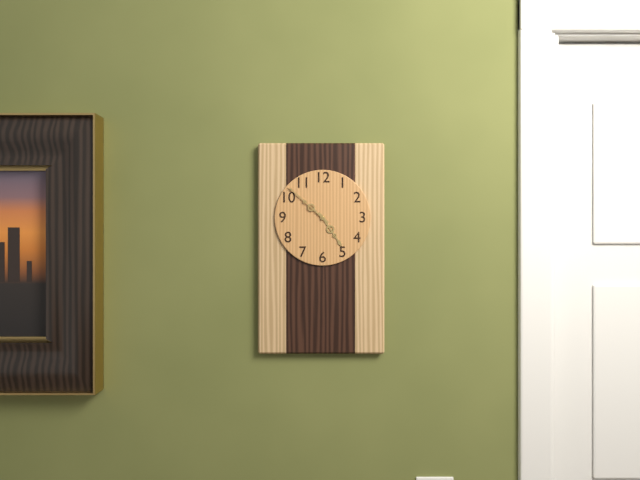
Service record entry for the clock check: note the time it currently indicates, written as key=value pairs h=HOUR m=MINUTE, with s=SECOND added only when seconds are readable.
h=4 m=52
